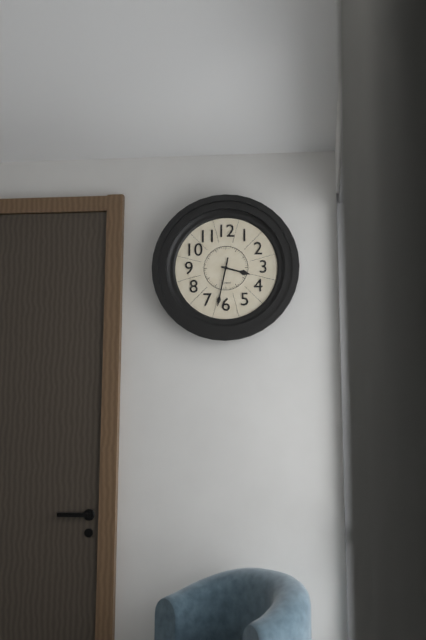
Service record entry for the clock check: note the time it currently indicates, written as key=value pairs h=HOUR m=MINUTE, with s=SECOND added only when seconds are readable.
h=3 m=32
